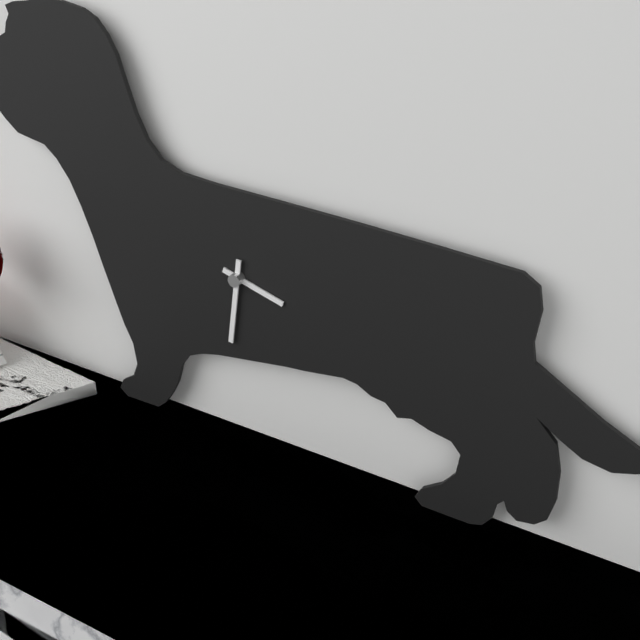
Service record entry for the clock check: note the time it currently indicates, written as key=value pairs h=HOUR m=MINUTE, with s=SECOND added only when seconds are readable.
h=3 m=31
